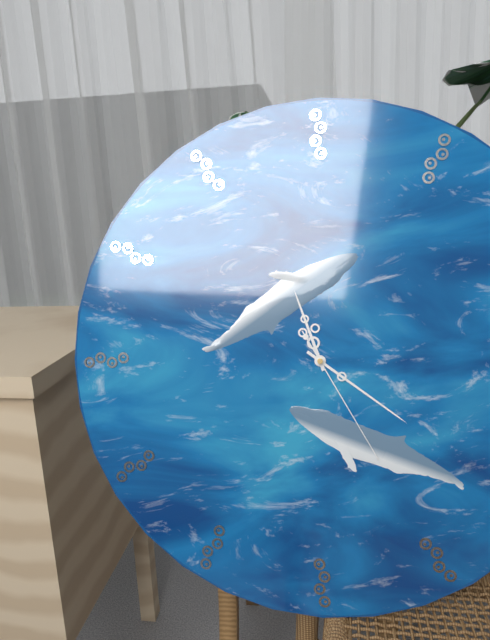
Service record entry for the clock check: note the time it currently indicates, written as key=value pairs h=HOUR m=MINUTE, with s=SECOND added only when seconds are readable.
h=11 m=21 s=25
